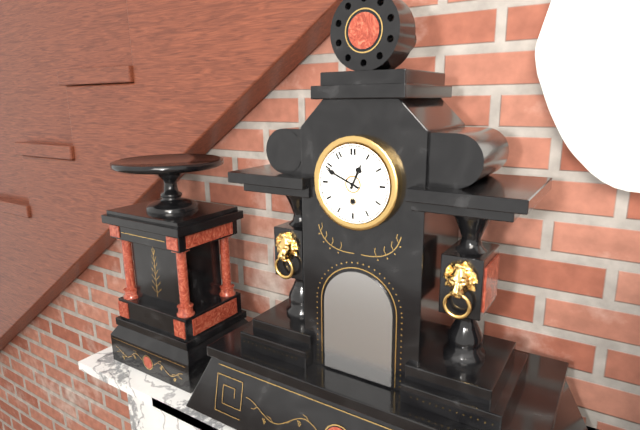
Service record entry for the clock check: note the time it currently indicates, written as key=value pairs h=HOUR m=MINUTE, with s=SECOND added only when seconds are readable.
h=12 m=49
